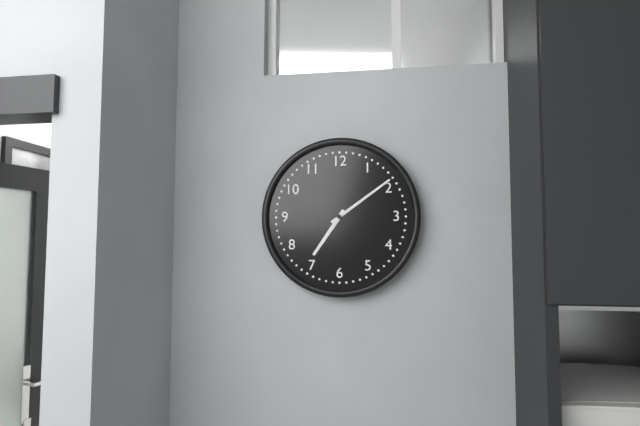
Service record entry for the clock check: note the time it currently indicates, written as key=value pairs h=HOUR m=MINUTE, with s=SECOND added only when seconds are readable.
h=7 m=9
